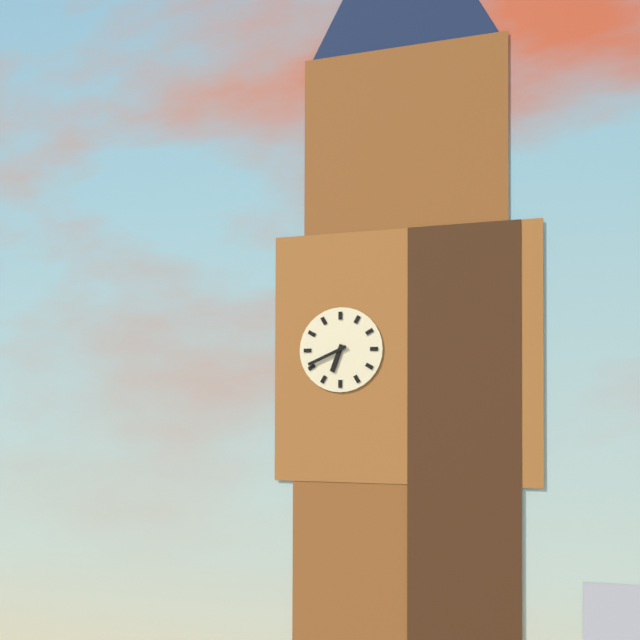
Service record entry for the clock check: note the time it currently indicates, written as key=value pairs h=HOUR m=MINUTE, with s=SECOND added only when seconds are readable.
h=6 m=41
